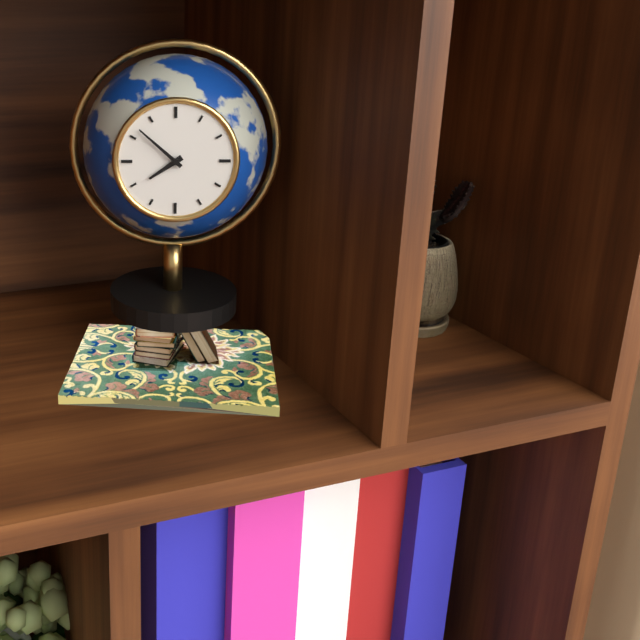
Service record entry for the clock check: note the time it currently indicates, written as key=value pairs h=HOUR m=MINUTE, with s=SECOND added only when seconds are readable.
h=7 m=52
